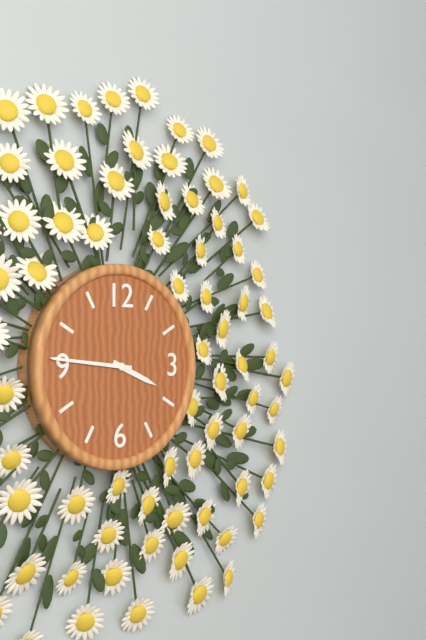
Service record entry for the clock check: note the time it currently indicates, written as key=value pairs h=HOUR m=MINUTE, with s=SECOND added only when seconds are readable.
h=3 m=46
